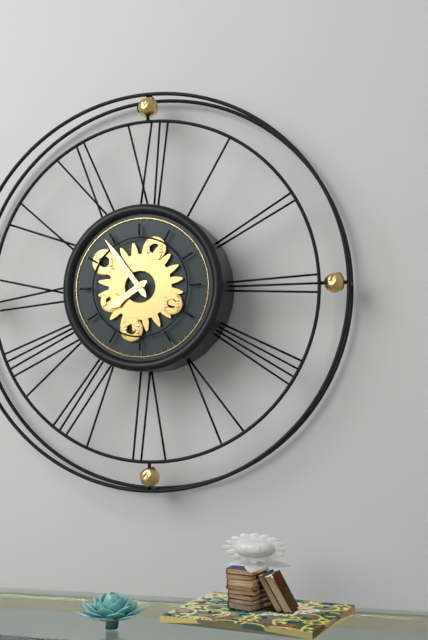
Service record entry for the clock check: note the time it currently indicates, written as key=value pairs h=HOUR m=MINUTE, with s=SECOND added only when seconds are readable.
h=7 m=54
